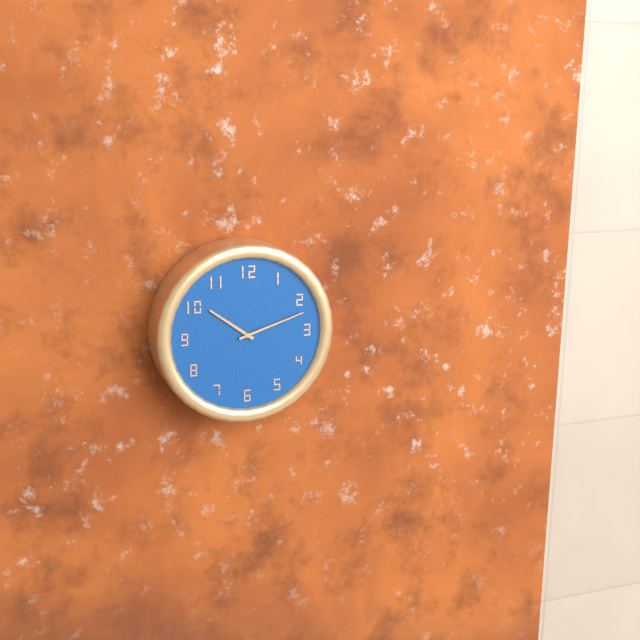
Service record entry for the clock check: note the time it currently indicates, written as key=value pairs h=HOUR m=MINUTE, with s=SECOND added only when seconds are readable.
h=10 m=12
